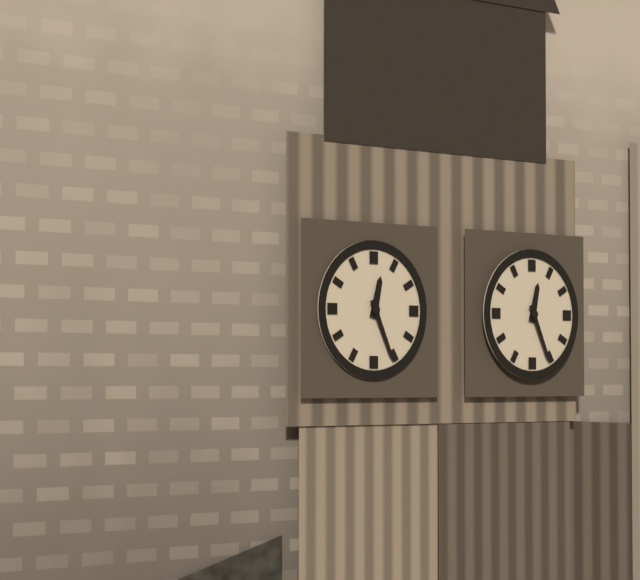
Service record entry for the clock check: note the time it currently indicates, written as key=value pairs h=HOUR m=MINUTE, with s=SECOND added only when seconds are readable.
h=12 m=26
